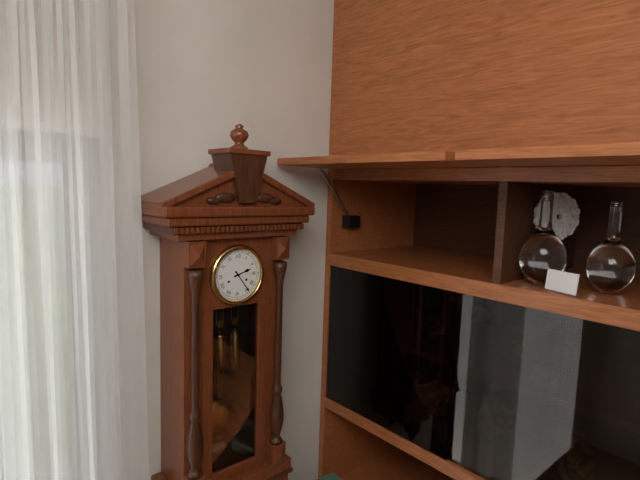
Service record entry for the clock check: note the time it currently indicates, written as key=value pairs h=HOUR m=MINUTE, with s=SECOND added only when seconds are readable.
h=2 m=24
